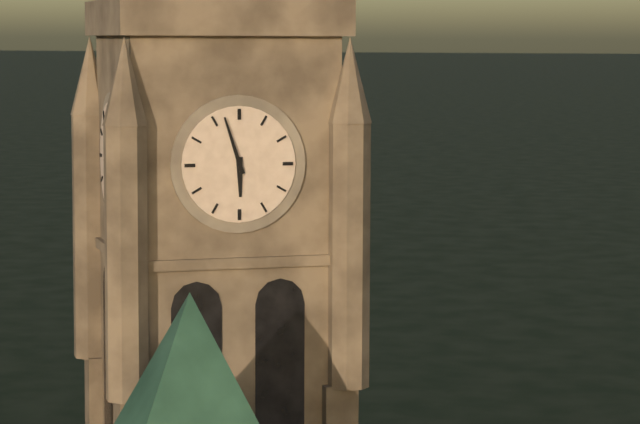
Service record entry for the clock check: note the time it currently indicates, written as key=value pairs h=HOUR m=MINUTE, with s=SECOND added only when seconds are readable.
h=5 m=57
